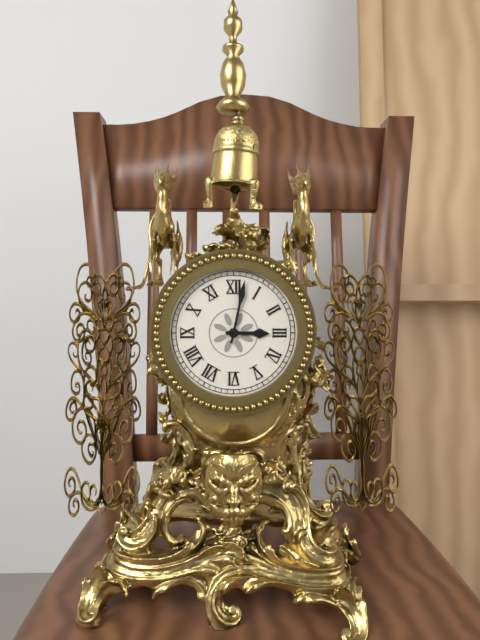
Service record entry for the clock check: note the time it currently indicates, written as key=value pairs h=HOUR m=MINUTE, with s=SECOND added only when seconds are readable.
h=3 m=2
